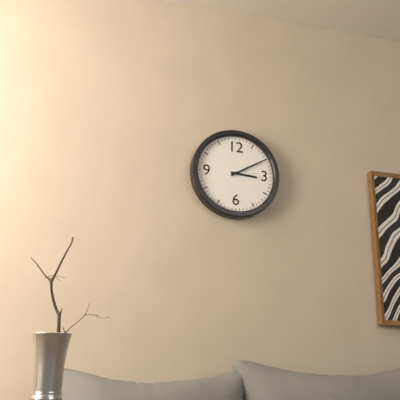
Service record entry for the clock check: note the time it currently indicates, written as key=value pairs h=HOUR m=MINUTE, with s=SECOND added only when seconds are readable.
h=3 m=10
